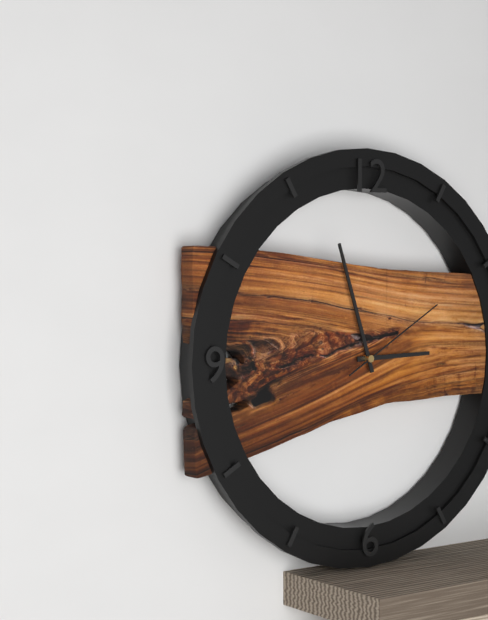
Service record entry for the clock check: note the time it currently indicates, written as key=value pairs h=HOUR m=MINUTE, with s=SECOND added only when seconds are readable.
h=2 m=57 s=10
